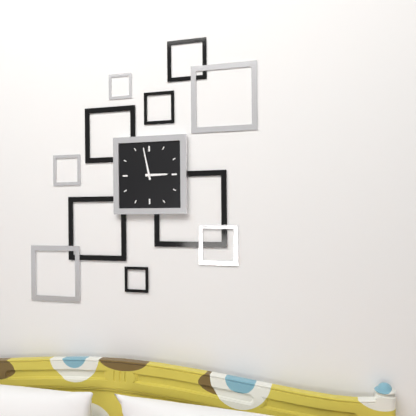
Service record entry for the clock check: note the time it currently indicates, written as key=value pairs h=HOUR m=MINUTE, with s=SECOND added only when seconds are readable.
h=2 m=58
